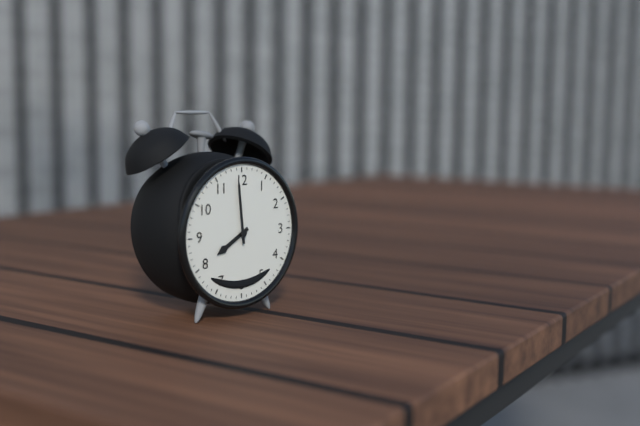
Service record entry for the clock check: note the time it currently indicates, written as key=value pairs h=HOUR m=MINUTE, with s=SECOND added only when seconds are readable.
h=7 m=59
